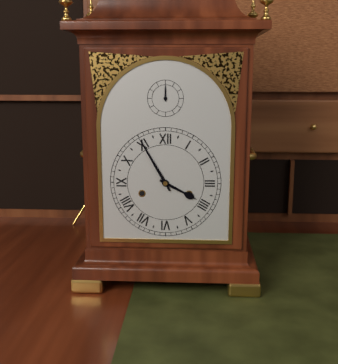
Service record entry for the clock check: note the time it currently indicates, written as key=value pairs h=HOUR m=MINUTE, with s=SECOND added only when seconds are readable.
h=3 m=55
